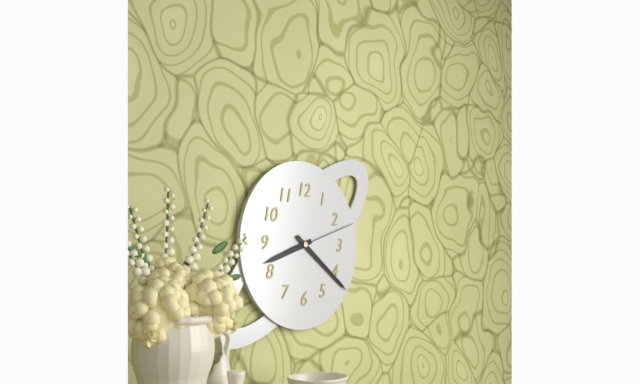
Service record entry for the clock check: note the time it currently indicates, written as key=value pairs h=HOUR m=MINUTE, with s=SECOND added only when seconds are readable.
h=8 m=21 s=12
